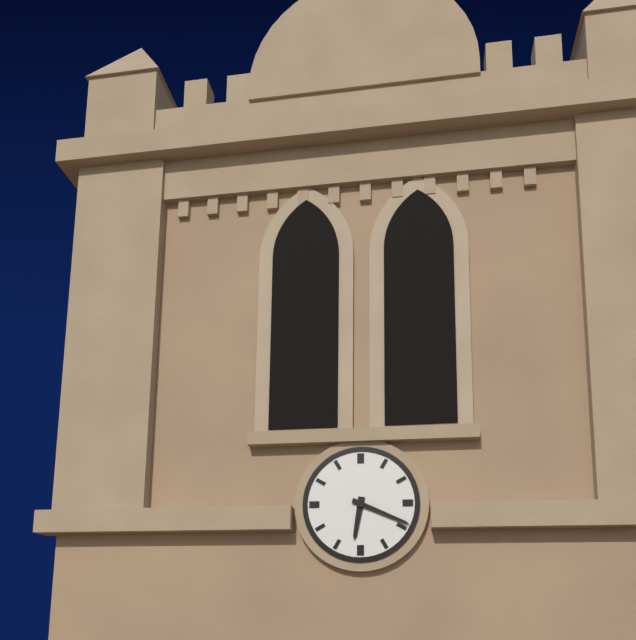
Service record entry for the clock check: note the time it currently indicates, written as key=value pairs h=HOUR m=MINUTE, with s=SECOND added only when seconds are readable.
h=6 m=19
